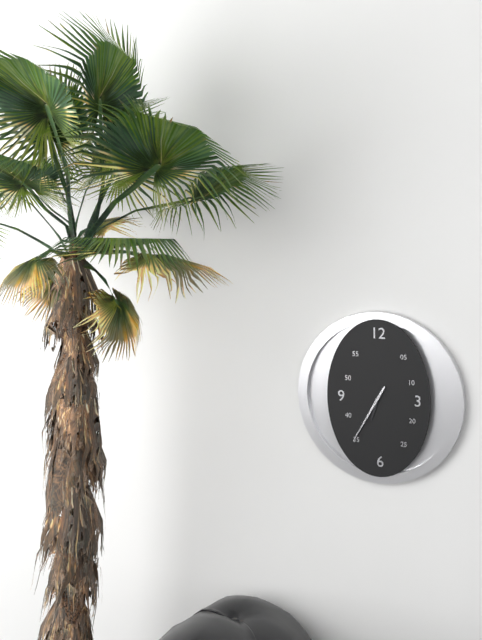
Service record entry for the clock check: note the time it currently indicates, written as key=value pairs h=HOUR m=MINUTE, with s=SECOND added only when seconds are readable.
h=6 m=35
